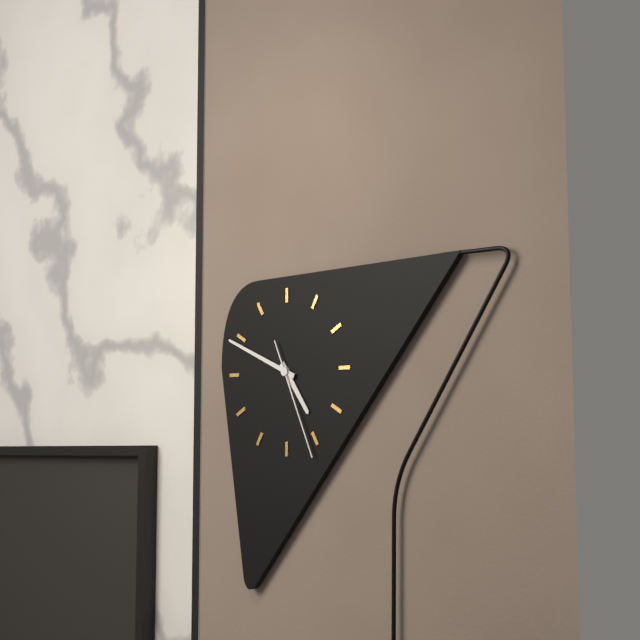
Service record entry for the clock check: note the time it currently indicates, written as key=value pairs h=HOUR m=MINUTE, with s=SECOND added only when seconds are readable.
h=4 m=49 s=26
